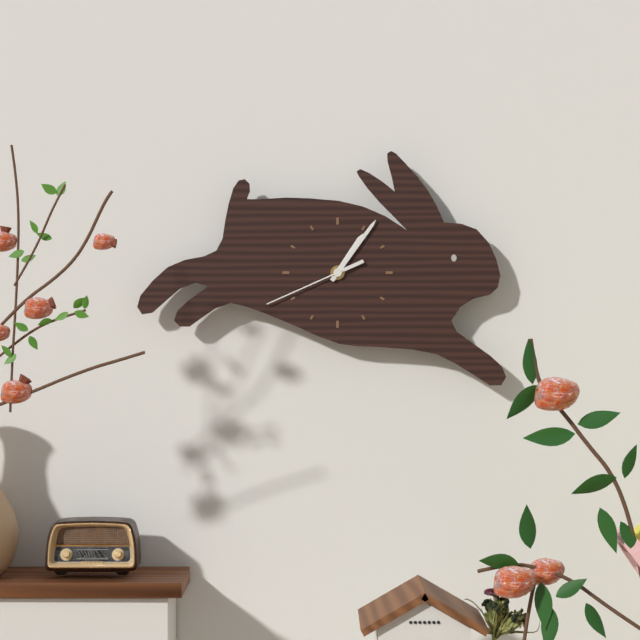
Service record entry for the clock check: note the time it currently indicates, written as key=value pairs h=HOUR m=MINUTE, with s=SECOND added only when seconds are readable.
h=1 m=6 s=41
